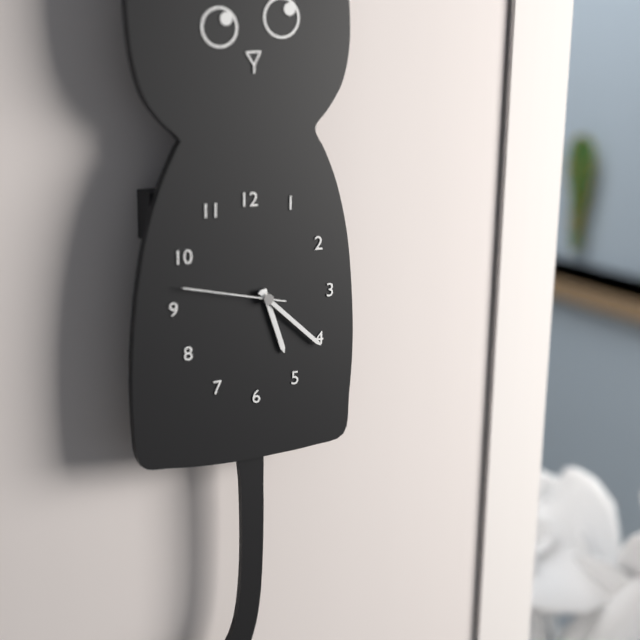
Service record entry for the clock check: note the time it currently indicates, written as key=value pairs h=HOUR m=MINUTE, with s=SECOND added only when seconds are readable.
h=5 m=22 s=47
